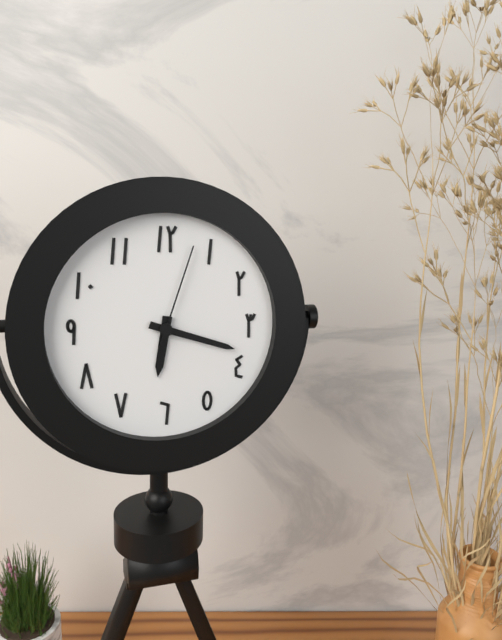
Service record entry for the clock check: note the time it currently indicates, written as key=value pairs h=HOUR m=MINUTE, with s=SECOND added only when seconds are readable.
h=6 m=18 s=3
